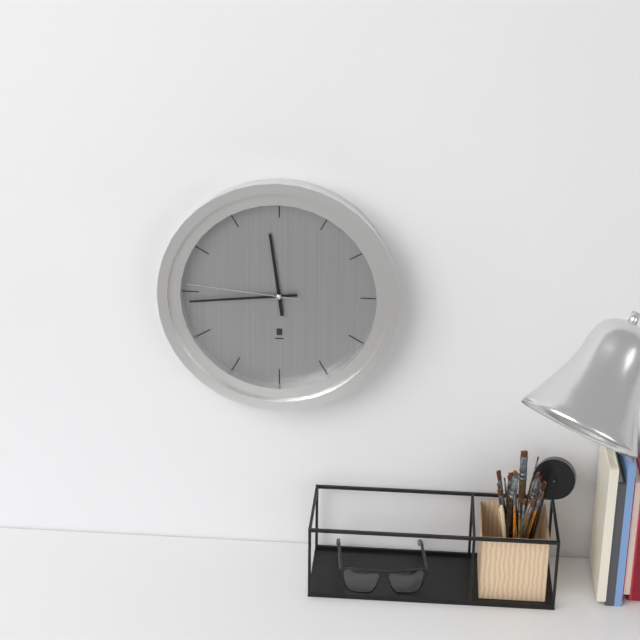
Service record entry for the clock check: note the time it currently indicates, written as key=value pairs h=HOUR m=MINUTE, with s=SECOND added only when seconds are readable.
h=11 m=44 s=46
